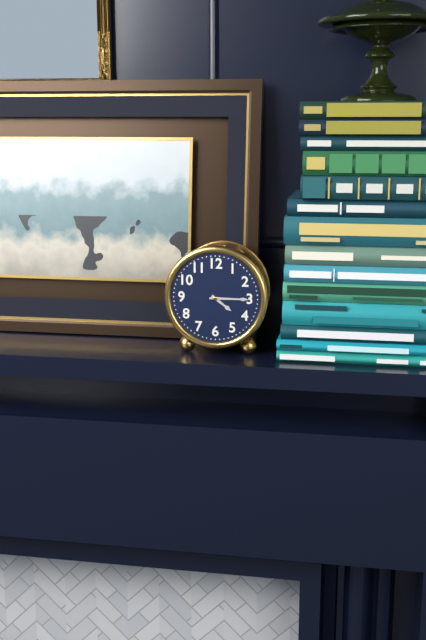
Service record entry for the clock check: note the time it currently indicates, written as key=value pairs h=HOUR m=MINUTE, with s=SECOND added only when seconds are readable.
h=4 m=15
